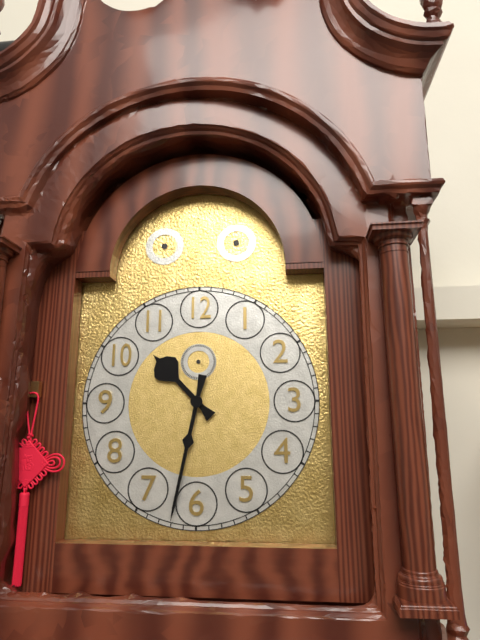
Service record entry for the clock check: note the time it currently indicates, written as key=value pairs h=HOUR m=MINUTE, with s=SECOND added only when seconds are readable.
h=10 m=32
